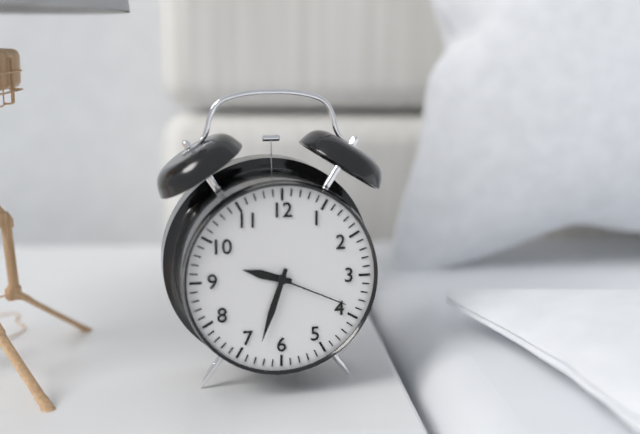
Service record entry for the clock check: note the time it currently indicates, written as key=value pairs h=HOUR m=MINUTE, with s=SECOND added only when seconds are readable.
h=9 m=33 s=19
